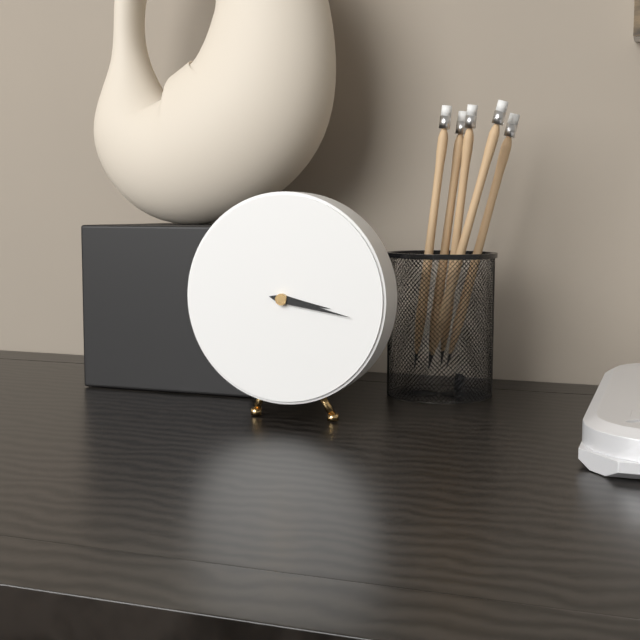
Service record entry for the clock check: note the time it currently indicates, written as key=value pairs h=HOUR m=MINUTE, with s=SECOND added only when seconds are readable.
h=3 m=17
